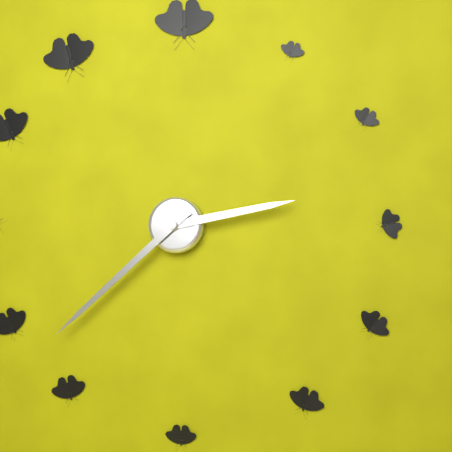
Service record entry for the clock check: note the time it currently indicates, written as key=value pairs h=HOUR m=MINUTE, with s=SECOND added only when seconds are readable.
h=2 m=38
